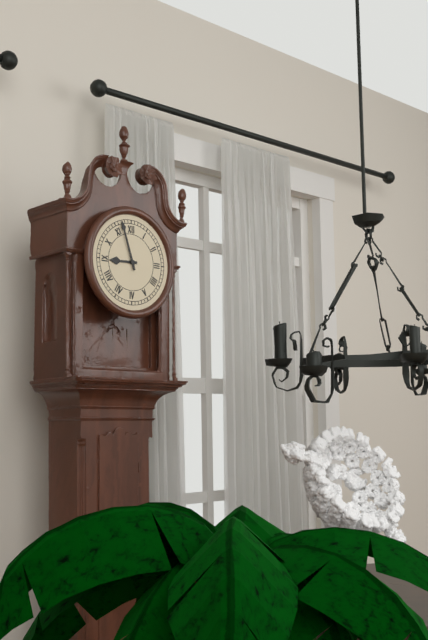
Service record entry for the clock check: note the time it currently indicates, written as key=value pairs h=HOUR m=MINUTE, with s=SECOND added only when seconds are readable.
h=8 m=57
